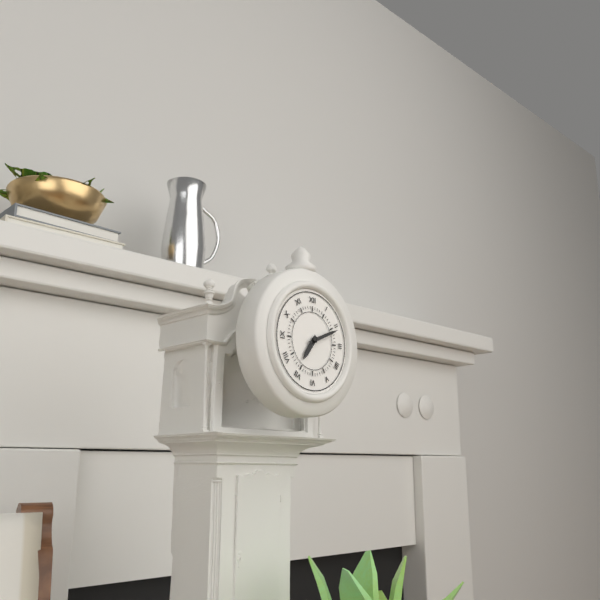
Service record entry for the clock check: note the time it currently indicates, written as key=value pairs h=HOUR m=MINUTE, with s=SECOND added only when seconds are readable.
h=7 m=11
